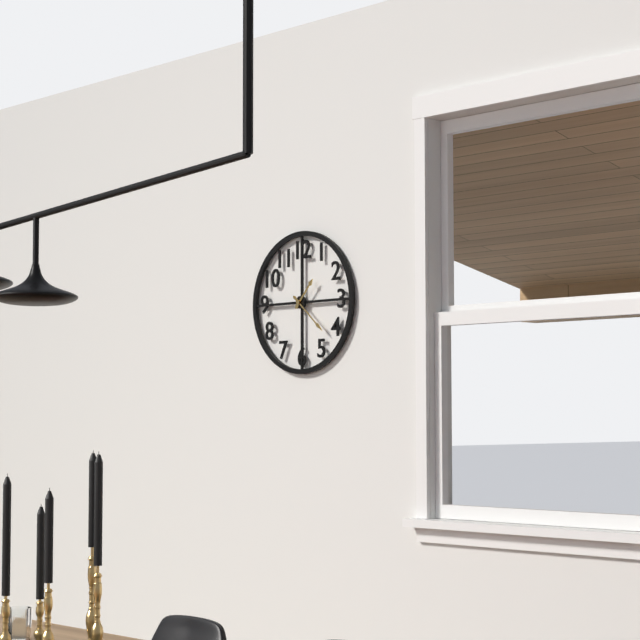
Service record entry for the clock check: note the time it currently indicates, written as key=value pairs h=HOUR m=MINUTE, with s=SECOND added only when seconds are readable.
h=1 m=22
